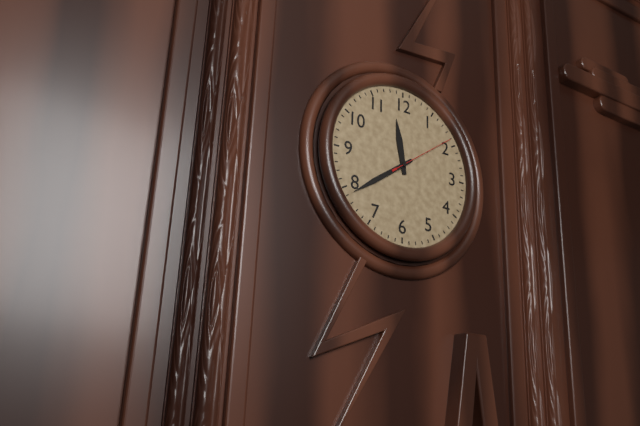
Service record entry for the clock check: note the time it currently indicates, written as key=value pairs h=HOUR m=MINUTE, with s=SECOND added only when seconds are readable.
h=11 m=39 s=9
